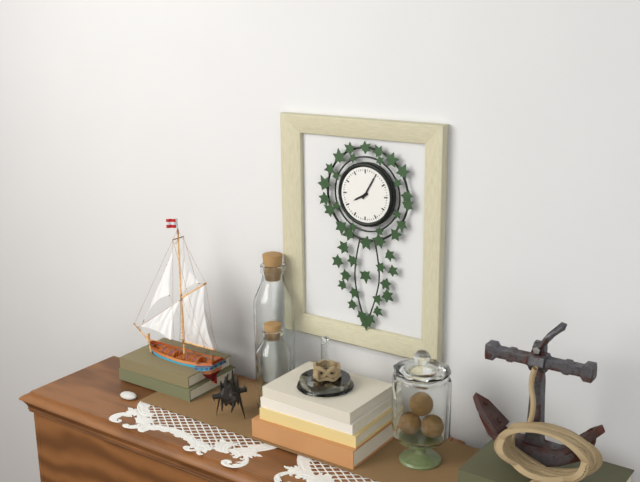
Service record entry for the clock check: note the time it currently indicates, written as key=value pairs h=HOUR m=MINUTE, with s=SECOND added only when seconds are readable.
h=8 m=5
